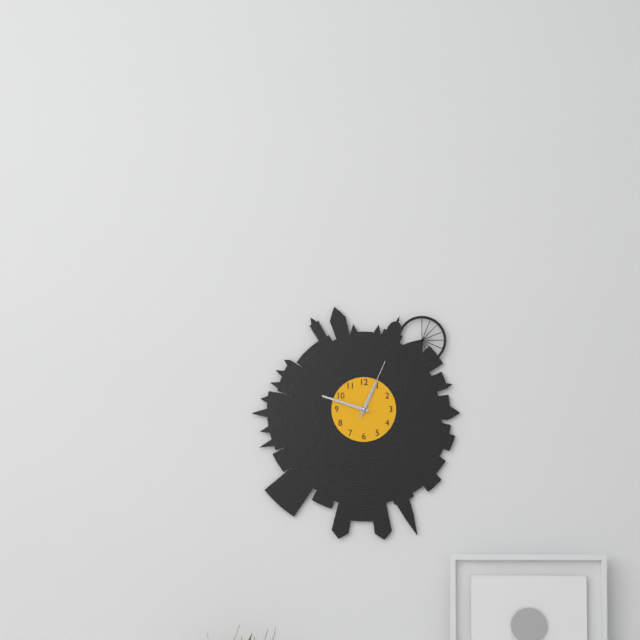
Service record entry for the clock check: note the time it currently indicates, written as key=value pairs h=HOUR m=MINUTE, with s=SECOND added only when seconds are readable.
h=12 m=48 s=4
